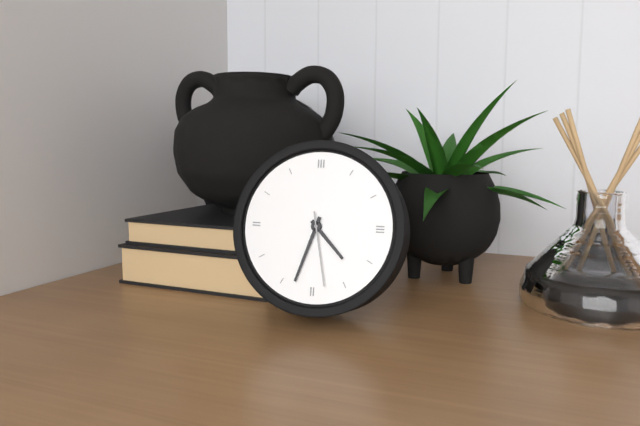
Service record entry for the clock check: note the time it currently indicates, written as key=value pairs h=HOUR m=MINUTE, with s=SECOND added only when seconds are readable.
h=4 m=33 s=28
